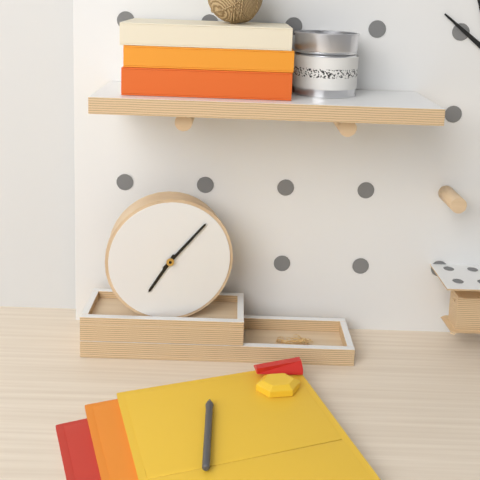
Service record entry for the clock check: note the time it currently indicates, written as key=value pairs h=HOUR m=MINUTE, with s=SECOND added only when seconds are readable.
h=7 m=7
